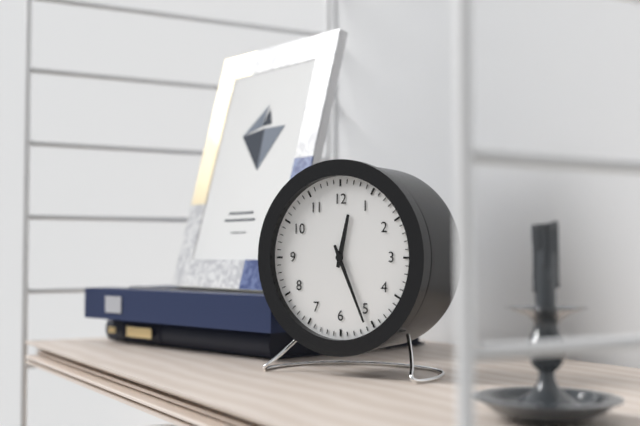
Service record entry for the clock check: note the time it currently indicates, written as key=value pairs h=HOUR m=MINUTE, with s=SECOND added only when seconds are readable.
h=12 m=26
